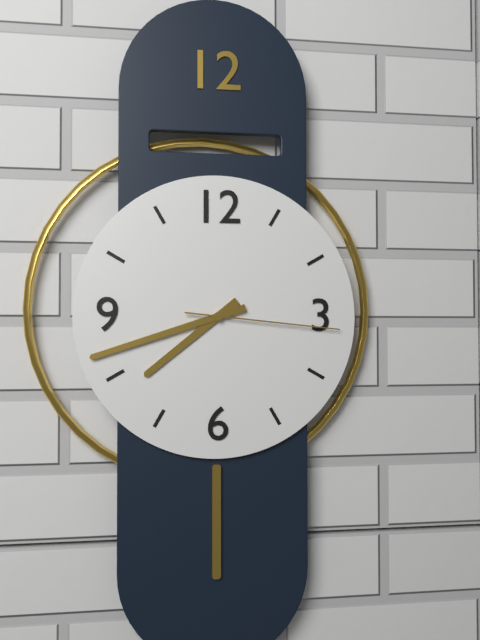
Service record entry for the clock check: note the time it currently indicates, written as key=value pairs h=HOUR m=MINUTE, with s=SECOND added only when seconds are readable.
h=7 m=42 s=16
